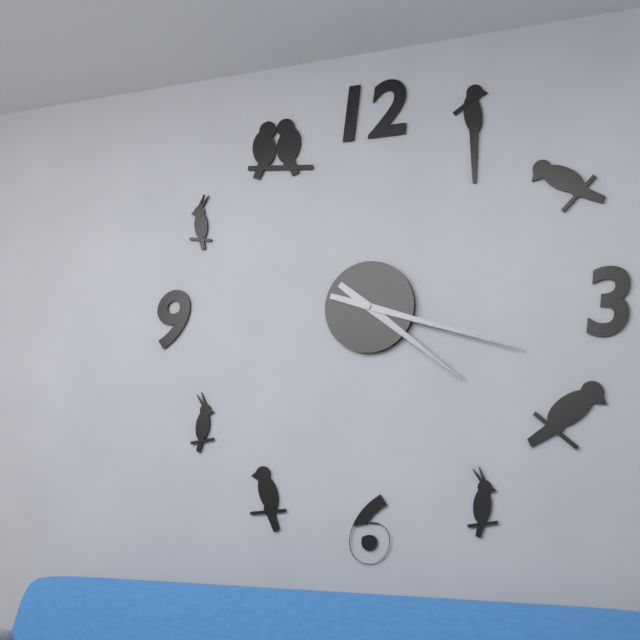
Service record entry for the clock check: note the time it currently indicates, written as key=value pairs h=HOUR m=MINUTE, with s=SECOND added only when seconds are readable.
h=4 m=18
